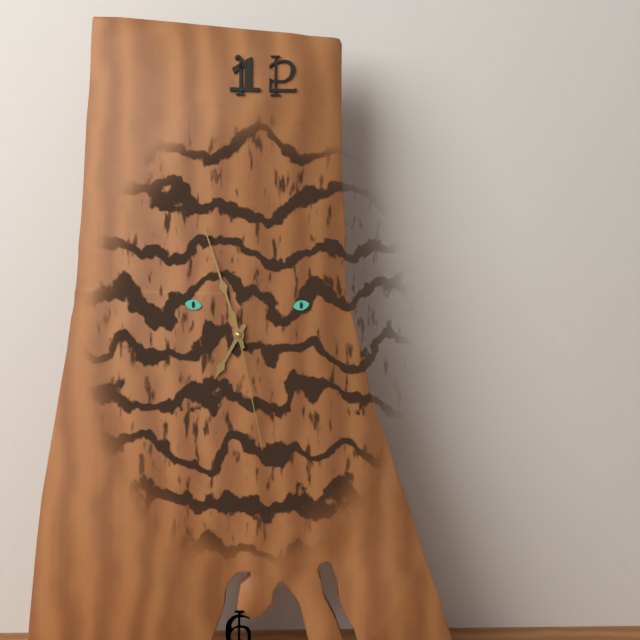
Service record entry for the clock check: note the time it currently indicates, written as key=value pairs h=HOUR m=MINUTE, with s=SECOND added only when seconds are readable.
h=6 m=57 s=28
